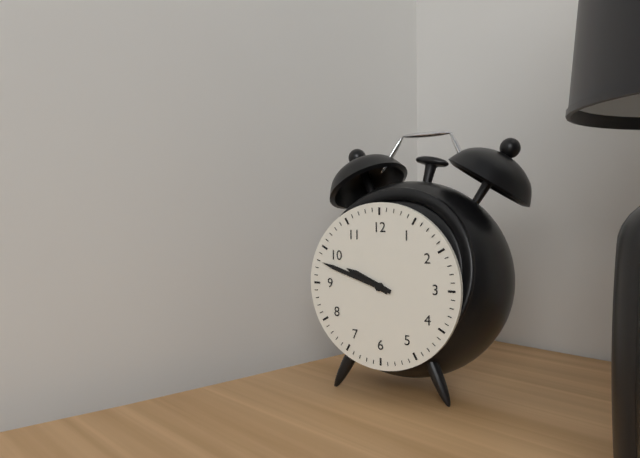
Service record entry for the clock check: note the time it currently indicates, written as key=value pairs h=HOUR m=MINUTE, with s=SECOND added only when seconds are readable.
h=9 m=48
